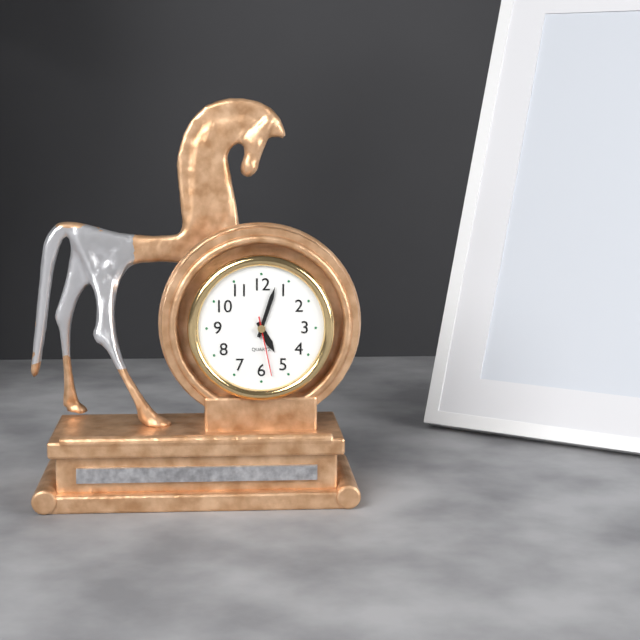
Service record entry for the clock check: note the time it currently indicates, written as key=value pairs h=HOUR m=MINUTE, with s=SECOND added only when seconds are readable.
h=5 m=3 s=28
